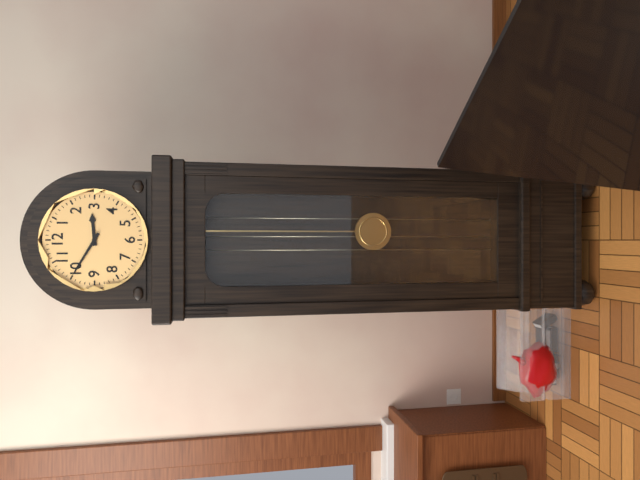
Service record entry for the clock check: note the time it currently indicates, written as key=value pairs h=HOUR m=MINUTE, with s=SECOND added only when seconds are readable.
h=2 m=50
